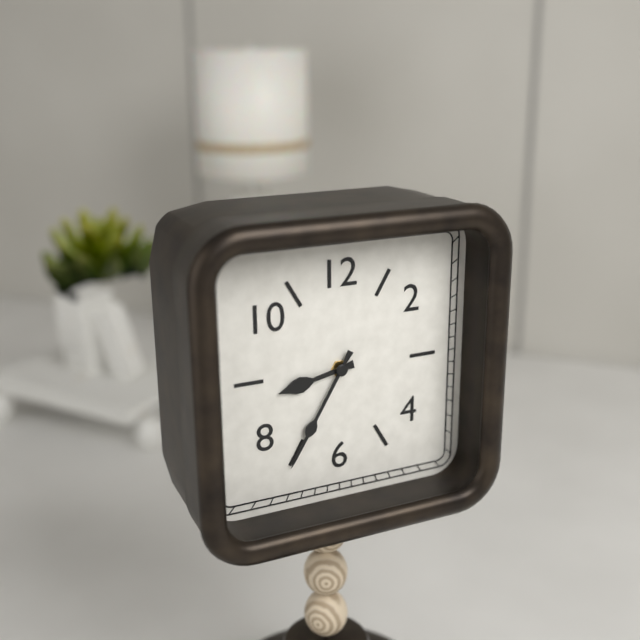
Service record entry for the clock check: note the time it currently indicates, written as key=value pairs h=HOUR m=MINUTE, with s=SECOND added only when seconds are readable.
h=8 m=35
